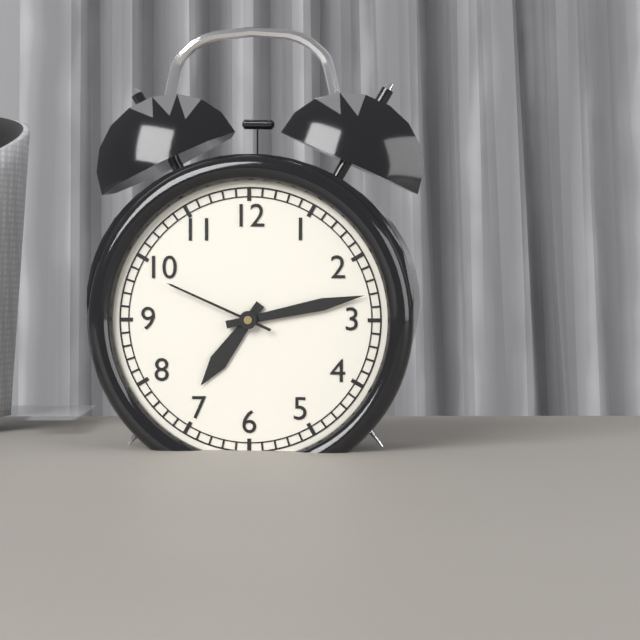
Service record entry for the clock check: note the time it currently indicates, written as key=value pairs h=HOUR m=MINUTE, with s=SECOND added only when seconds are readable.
h=7 m=13 s=49
